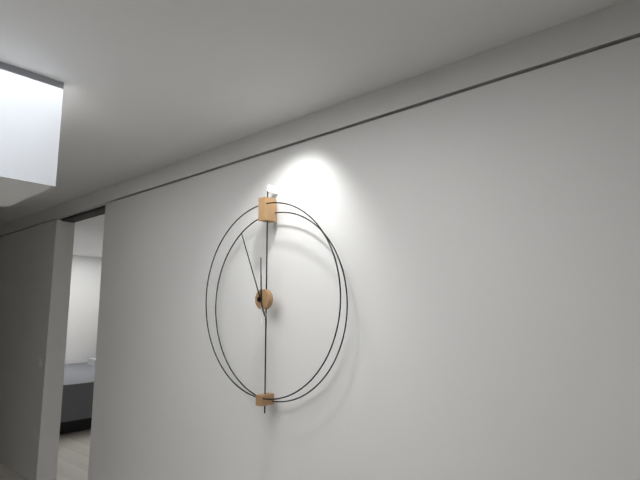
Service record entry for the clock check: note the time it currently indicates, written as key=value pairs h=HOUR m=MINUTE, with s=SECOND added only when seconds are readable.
h=11 m=56
